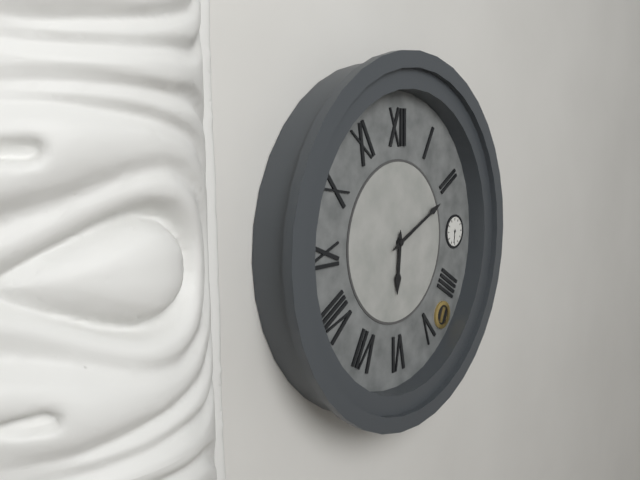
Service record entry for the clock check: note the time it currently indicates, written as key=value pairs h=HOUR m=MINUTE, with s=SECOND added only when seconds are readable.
h=6 m=11
